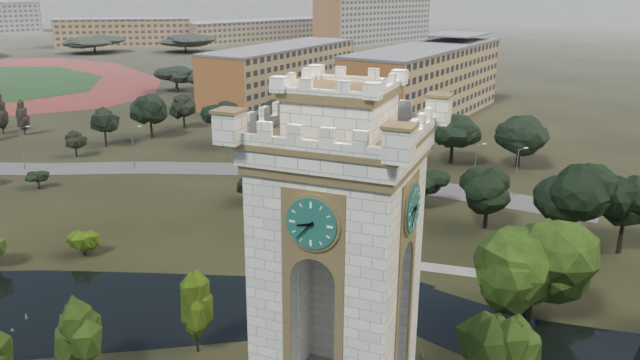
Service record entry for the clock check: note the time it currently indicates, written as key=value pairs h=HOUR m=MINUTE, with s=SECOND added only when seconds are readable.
h=8 m=37
